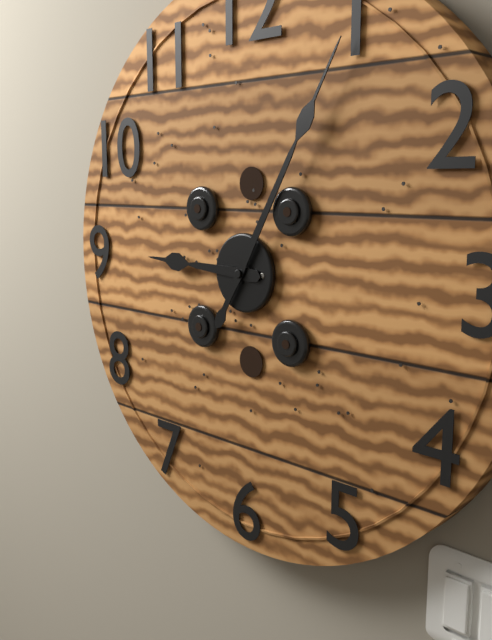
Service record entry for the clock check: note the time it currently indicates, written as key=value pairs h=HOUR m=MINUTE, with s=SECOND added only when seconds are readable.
h=9 m=5
